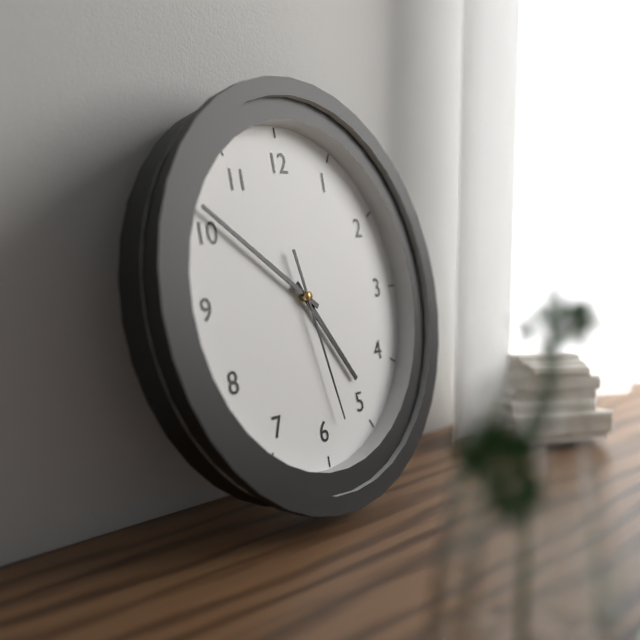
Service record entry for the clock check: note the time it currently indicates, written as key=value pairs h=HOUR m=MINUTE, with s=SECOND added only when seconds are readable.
h=4 m=51 s=28
